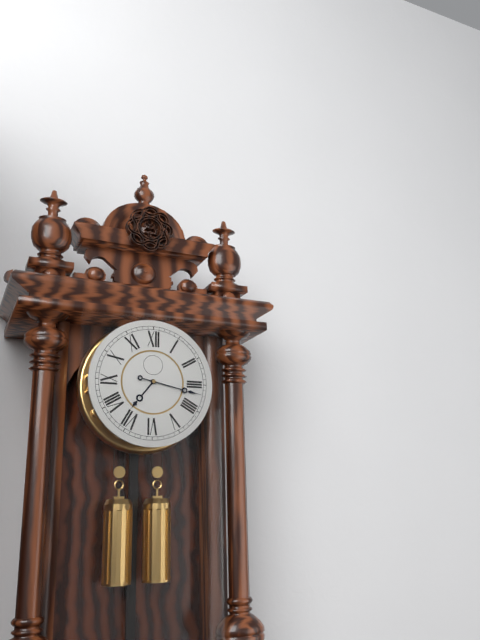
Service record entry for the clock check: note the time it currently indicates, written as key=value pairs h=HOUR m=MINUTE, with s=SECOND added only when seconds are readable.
h=7 m=17
